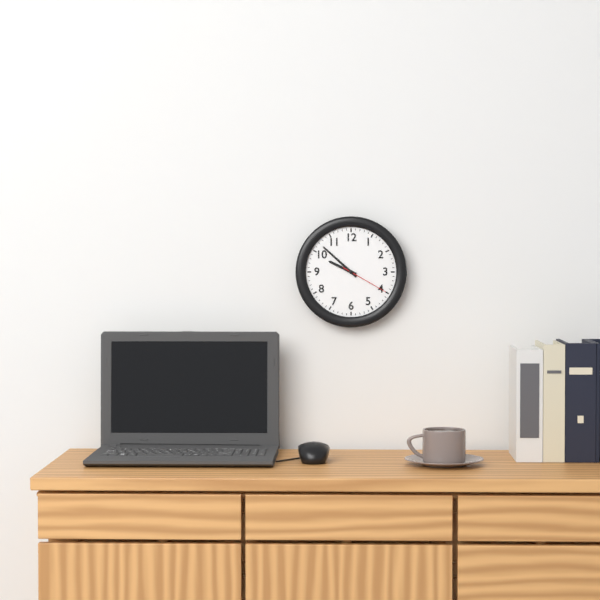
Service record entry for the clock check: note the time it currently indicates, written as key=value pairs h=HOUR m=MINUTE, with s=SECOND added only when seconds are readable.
h=9 m=52 s=20
